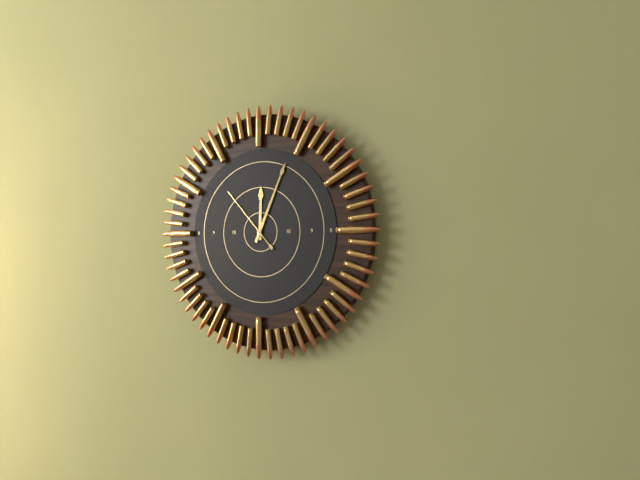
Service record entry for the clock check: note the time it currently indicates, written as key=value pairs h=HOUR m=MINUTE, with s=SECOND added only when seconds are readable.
h=12 m=4 s=53
